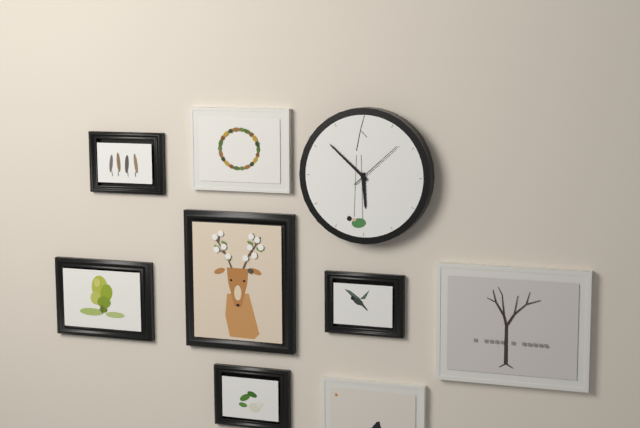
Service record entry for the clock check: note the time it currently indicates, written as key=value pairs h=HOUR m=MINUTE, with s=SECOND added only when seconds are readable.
h=5 m=52 s=8
